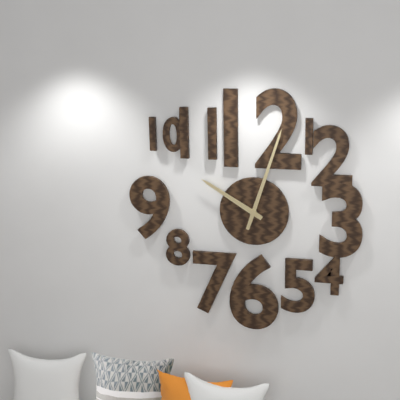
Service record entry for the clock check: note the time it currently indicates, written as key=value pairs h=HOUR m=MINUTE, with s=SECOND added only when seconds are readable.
h=10 m=3
